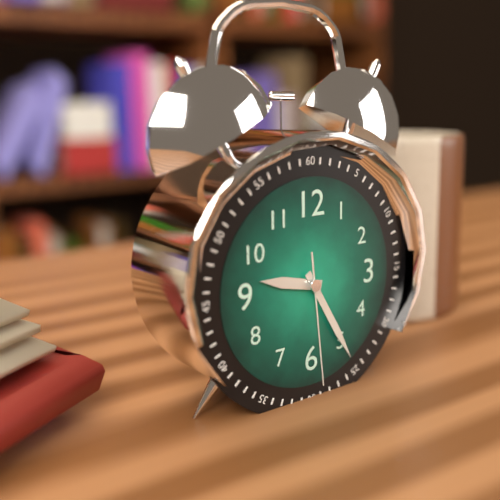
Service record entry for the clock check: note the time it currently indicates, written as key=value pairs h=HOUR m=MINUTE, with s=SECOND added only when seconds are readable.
h=9 m=25 s=29
